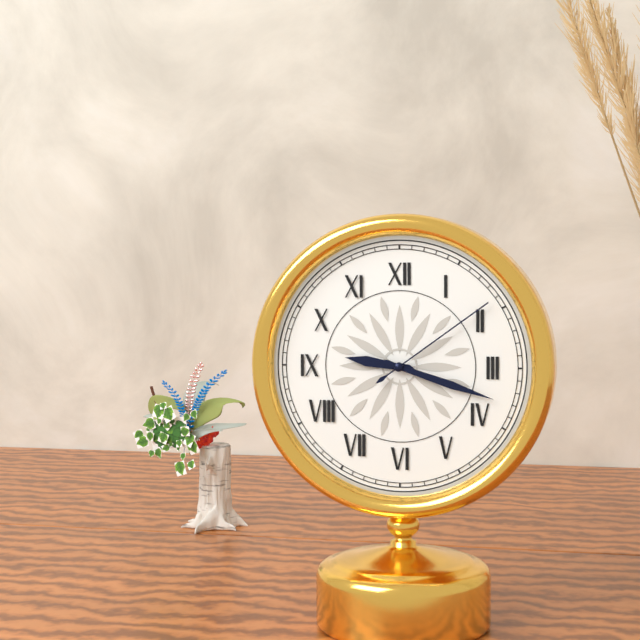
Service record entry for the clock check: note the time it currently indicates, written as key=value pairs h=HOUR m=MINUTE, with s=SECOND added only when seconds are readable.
h=9 m=18 s=9
